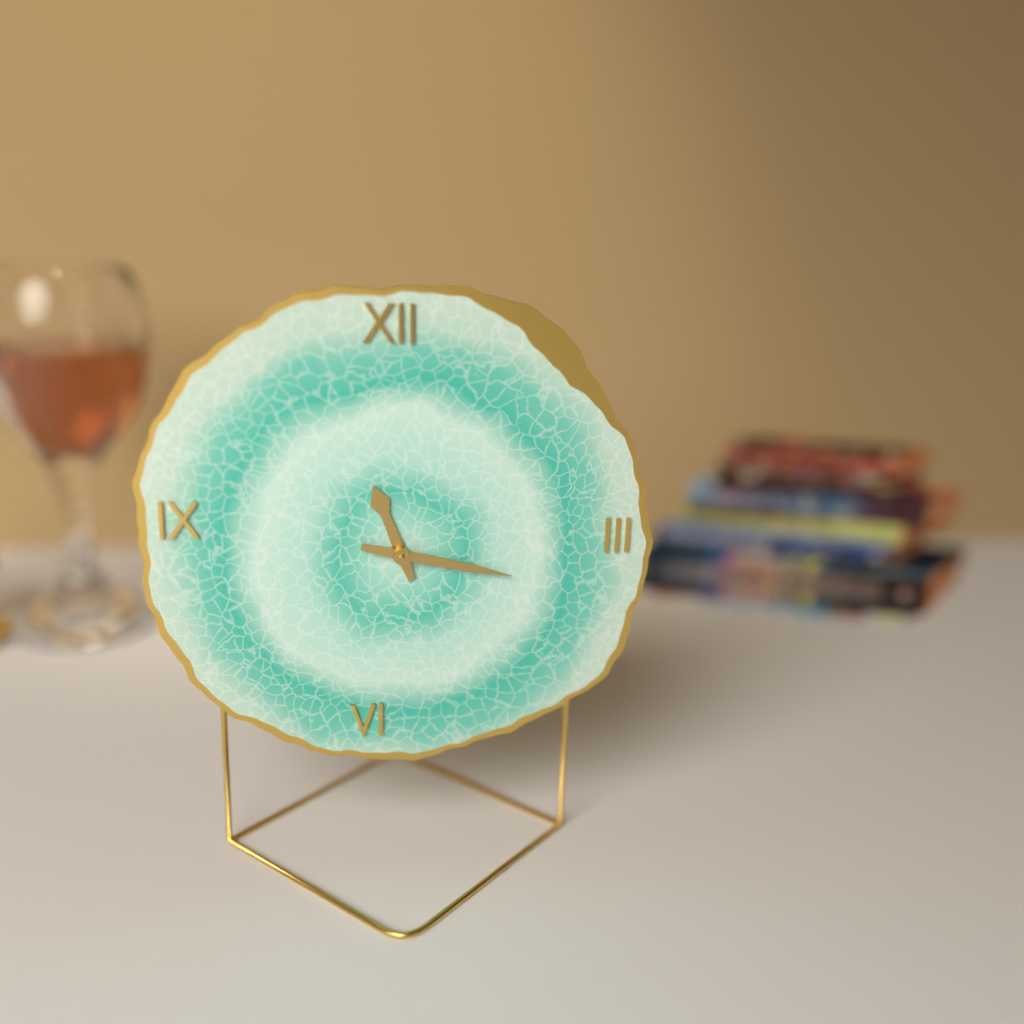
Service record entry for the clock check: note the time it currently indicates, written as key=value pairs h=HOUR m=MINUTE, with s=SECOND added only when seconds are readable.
h=11 m=17
